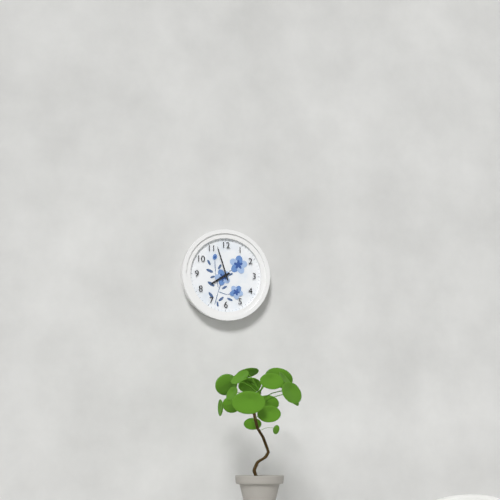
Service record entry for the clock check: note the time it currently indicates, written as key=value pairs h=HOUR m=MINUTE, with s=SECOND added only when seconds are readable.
h=7 m=57
